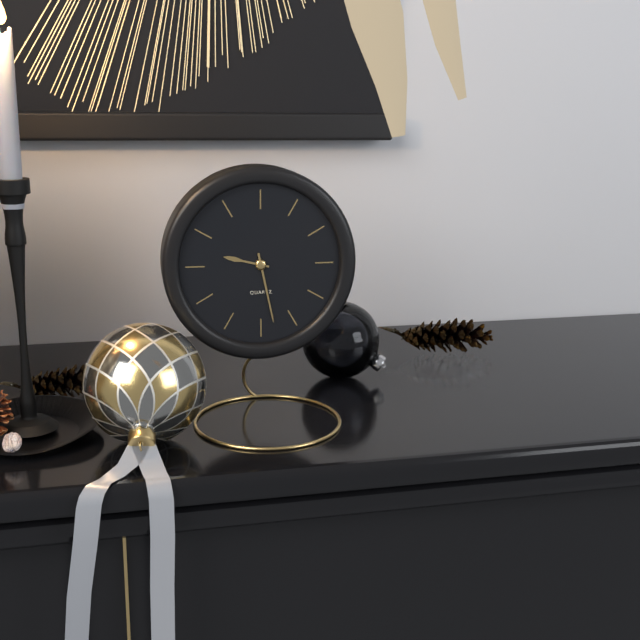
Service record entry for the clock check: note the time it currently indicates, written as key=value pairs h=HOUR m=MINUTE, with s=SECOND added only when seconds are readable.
h=9 m=28
